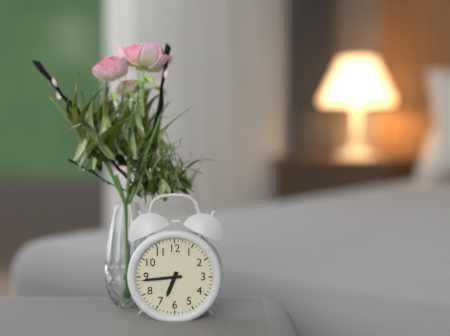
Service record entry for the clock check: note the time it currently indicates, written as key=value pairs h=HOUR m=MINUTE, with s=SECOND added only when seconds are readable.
h=6 m=44
